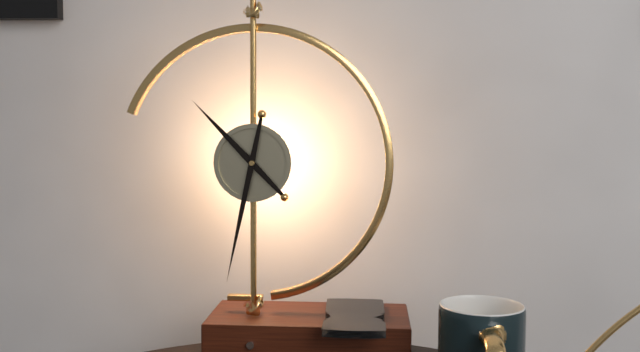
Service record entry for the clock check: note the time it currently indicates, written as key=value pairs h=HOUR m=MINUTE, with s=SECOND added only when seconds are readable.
h=10 m=32
